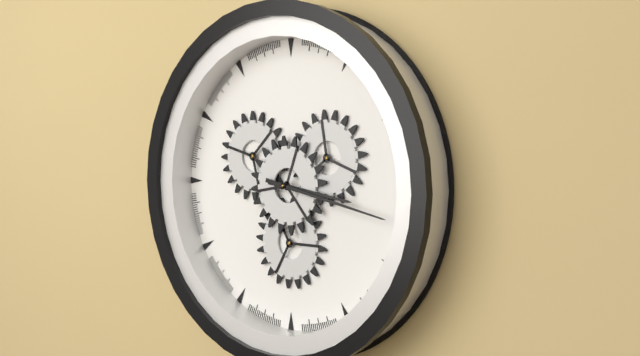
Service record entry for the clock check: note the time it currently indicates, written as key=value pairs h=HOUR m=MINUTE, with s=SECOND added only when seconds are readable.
h=3 m=17
